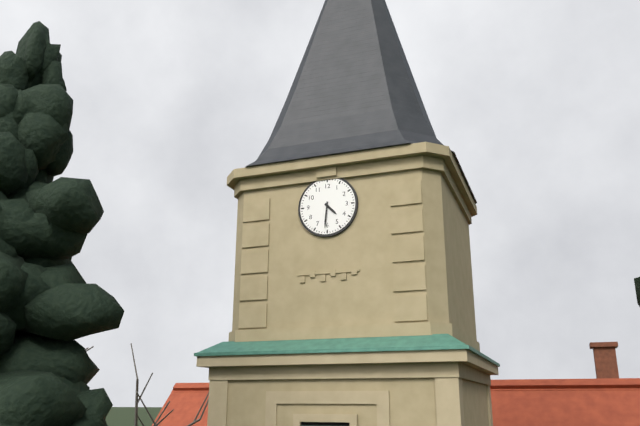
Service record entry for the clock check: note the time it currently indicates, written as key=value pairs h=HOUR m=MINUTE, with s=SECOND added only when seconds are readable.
h=4 m=31
